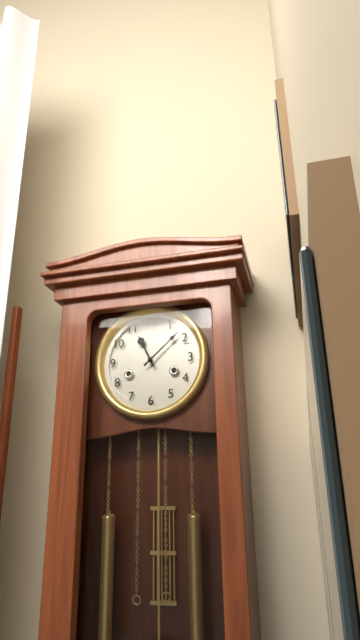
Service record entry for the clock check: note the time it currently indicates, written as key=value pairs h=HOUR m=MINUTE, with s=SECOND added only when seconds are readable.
h=11 m=8
